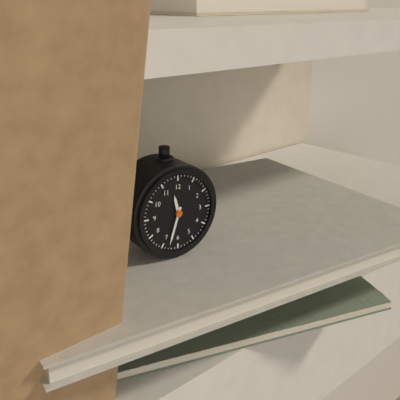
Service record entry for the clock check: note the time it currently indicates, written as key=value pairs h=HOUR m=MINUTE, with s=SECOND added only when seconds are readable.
h=11 m=33
